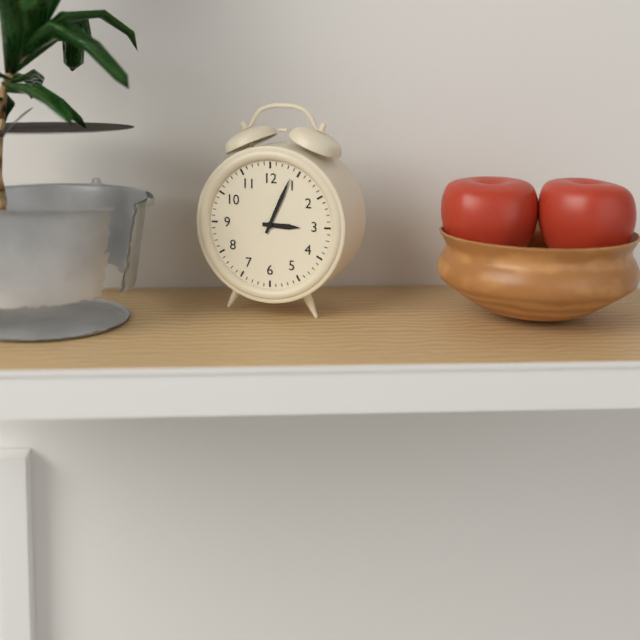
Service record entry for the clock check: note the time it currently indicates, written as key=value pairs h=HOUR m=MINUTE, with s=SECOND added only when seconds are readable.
h=3 m=4
